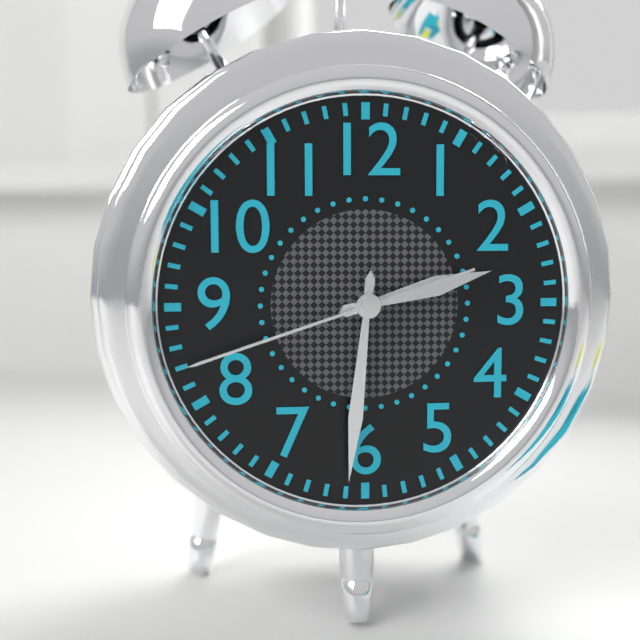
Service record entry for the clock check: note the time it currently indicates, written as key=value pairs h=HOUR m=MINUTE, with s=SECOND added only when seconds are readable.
h=2 m=31 s=42
